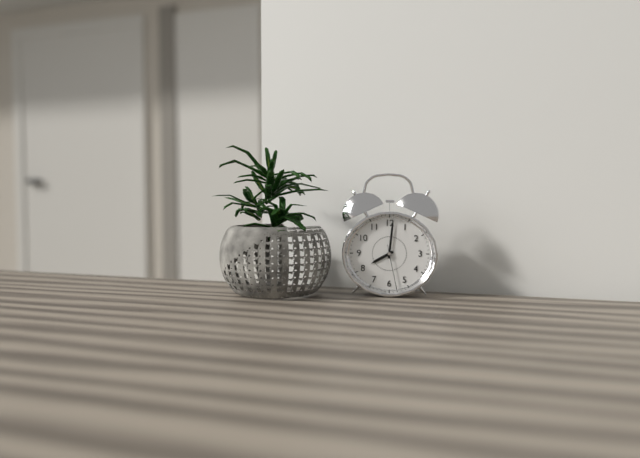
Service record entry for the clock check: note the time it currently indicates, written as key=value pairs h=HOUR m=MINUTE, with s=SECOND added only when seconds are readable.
h=8 m=1
